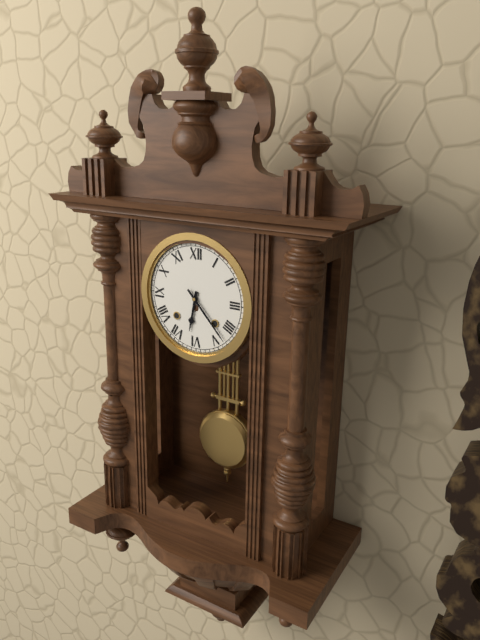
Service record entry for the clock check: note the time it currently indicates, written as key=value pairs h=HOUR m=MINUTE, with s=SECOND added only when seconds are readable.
h=6 m=23
